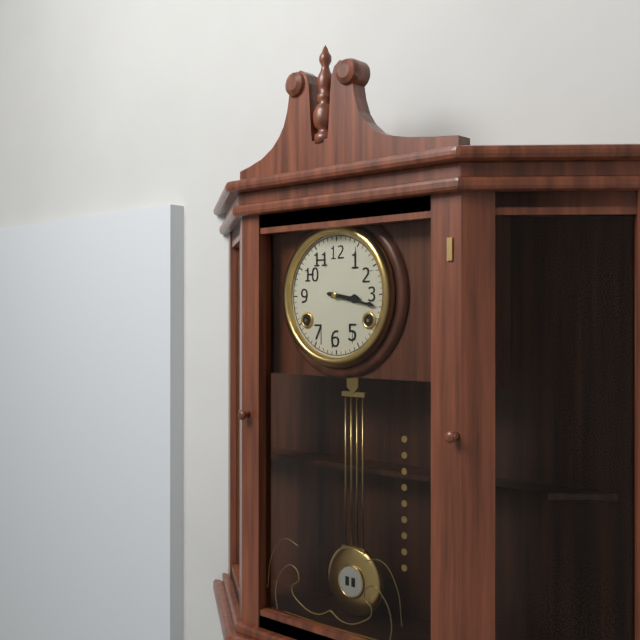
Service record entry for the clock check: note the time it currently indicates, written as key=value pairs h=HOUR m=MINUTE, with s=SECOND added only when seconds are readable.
h=3 m=17
